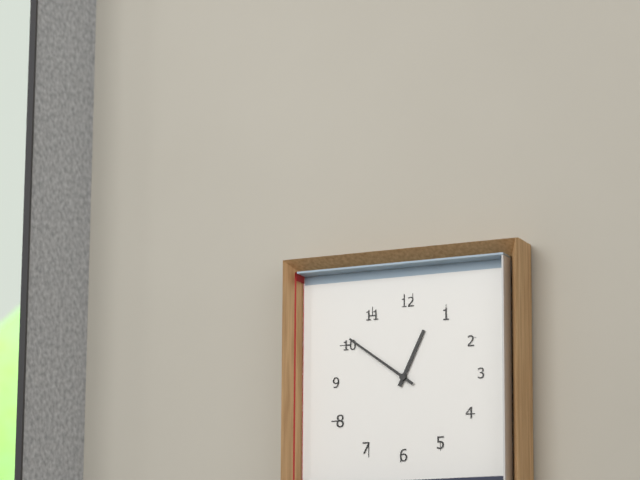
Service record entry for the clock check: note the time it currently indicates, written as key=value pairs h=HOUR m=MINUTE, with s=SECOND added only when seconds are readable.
h=12 m=51
